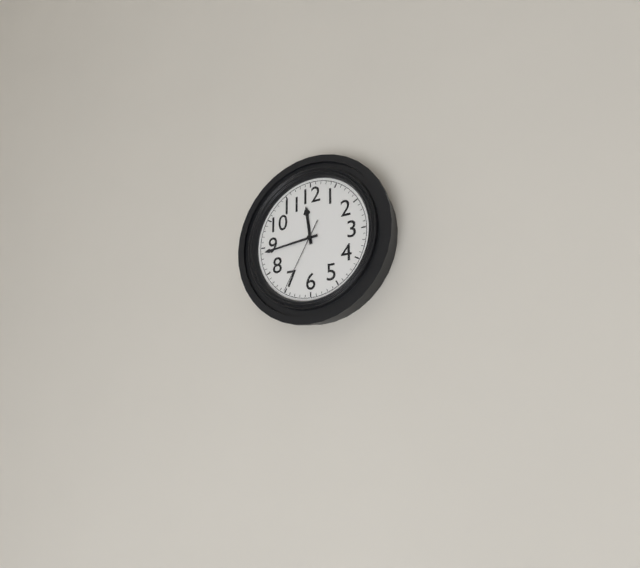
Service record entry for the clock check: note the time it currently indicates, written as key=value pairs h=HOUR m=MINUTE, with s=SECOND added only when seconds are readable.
h=11 m=44 s=35
